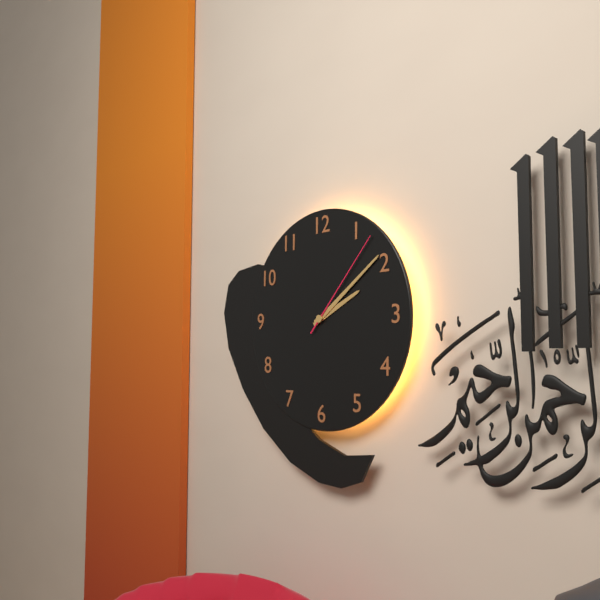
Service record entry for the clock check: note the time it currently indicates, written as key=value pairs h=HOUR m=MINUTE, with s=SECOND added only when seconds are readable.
h=2 m=9 s=7
